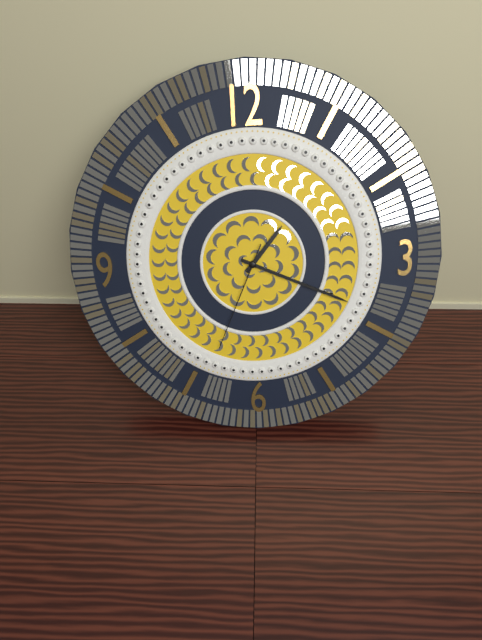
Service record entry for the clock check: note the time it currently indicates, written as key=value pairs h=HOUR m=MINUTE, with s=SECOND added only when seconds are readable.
h=1 m=19 s=34
